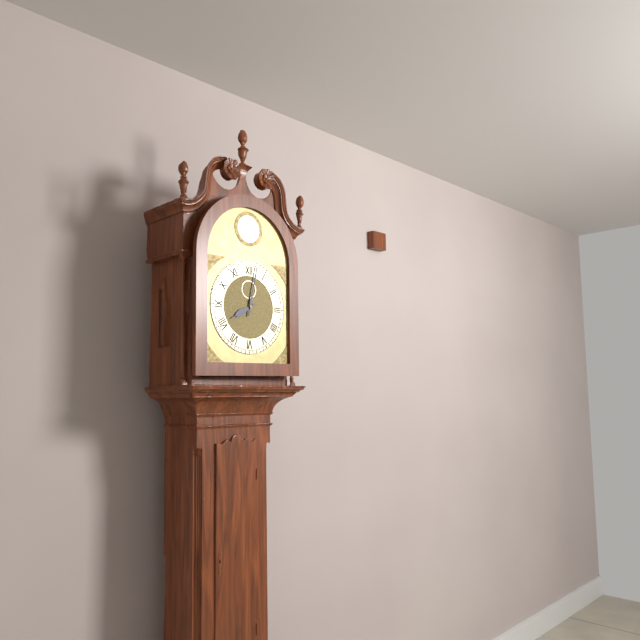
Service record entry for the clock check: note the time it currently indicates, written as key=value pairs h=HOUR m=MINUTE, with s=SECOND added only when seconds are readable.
h=8 m=2
